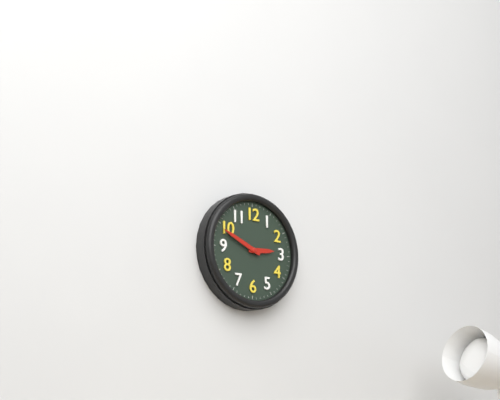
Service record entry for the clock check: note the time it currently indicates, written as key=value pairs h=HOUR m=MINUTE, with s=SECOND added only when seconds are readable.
h=2 m=49
